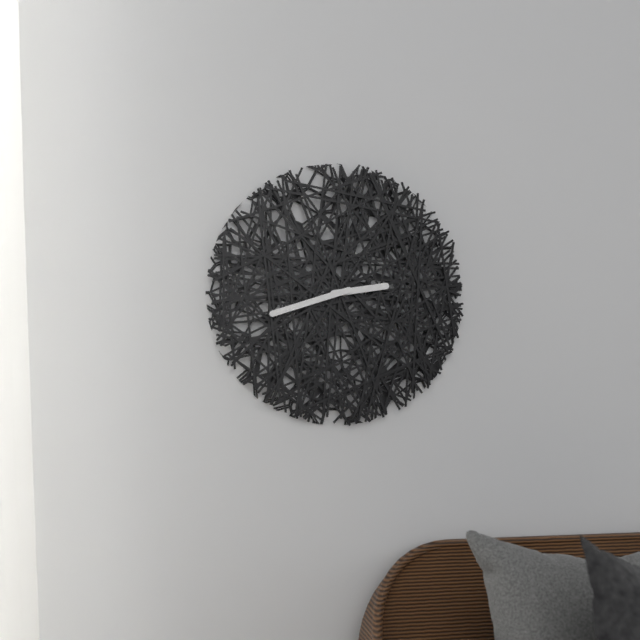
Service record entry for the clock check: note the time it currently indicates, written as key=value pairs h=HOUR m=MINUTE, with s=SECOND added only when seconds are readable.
h=2 m=42
